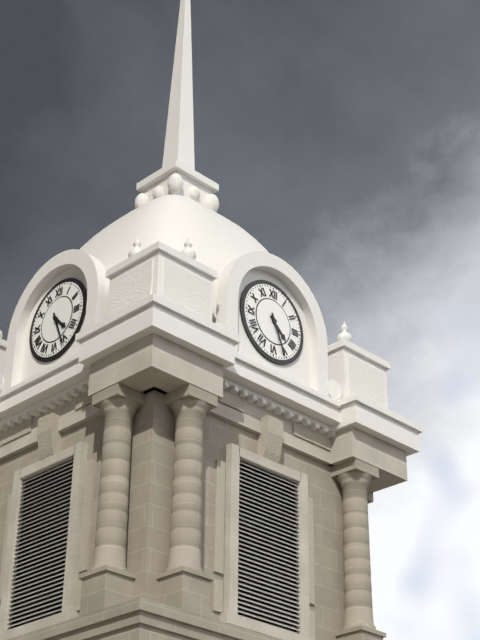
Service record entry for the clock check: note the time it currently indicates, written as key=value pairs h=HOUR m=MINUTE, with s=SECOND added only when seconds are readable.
h=4 m=26
